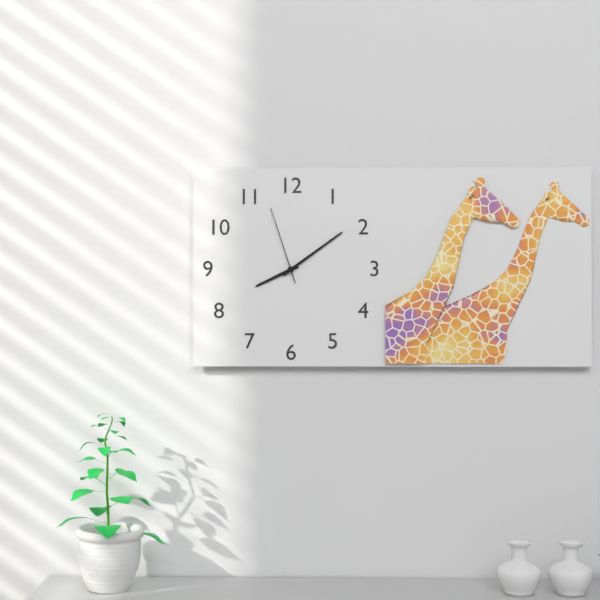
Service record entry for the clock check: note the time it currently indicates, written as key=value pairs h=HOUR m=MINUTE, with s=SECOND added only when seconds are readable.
h=8 m=9 s=57
